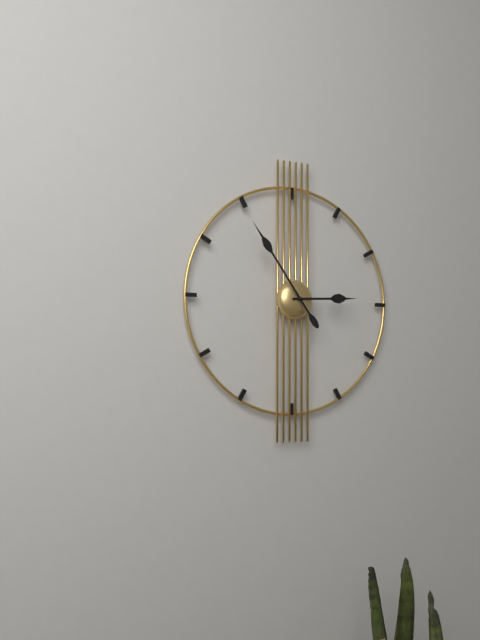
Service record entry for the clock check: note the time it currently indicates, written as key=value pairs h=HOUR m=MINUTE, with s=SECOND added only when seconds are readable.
h=2 m=54
